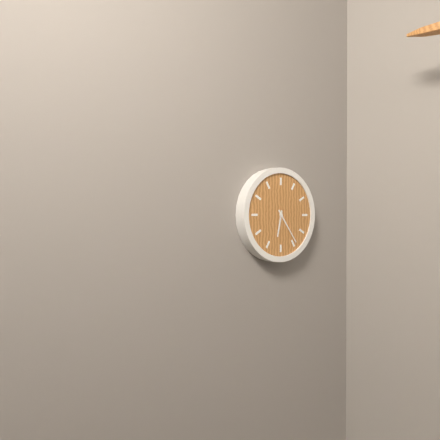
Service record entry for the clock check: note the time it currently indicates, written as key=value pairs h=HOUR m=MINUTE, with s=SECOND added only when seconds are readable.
h=6 m=24
